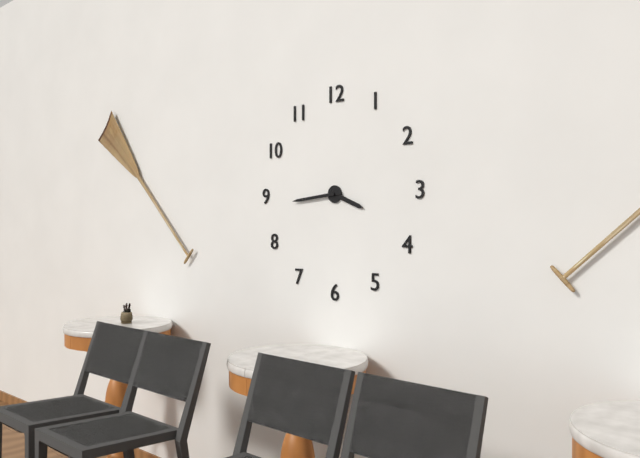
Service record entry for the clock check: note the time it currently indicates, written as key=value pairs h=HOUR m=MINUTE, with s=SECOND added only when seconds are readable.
h=3 m=44
